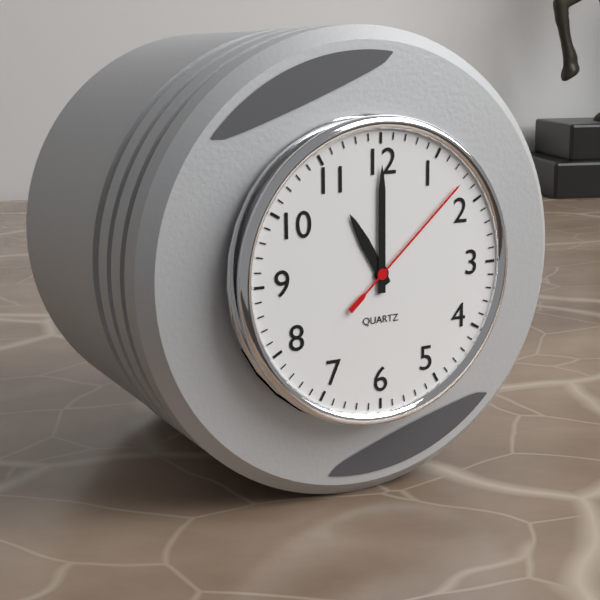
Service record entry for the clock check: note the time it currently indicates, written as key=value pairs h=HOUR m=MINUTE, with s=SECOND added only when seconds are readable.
h=11 m=0 s=8
